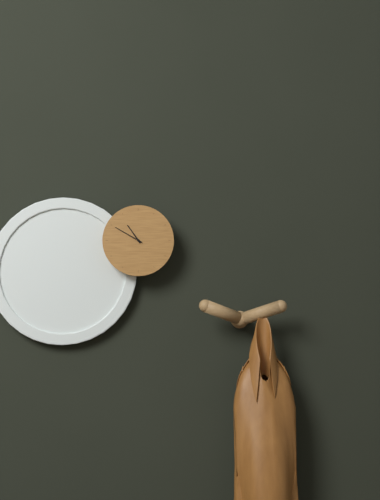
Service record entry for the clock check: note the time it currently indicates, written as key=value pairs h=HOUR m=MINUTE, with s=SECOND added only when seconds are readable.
h=10 m=50
